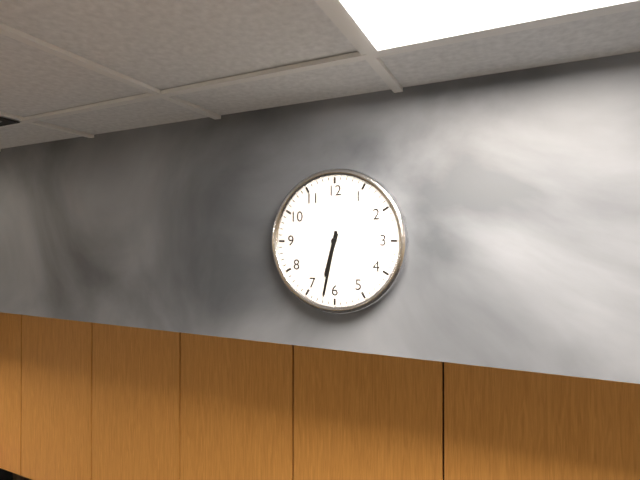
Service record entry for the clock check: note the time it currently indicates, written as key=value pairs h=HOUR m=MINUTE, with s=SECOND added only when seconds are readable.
h=6 m=32
